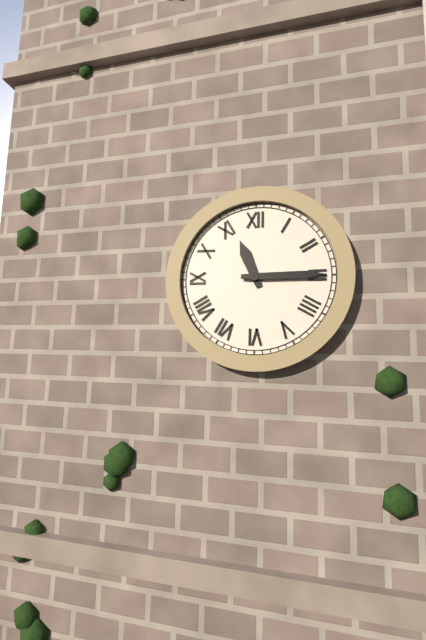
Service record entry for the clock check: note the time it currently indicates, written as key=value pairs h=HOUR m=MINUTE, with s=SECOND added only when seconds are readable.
h=11 m=15
